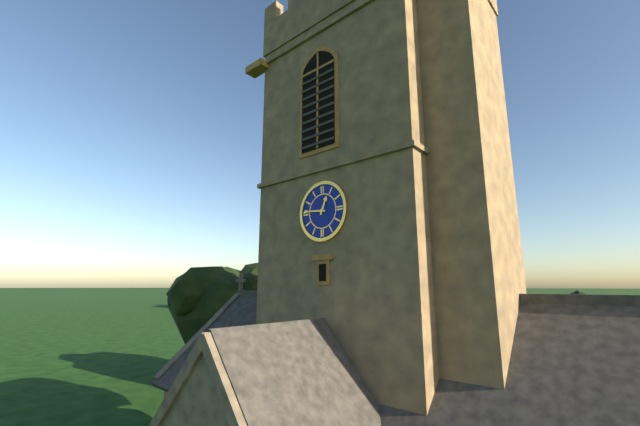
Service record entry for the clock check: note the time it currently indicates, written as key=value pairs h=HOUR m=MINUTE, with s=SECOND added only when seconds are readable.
h=12 m=46
